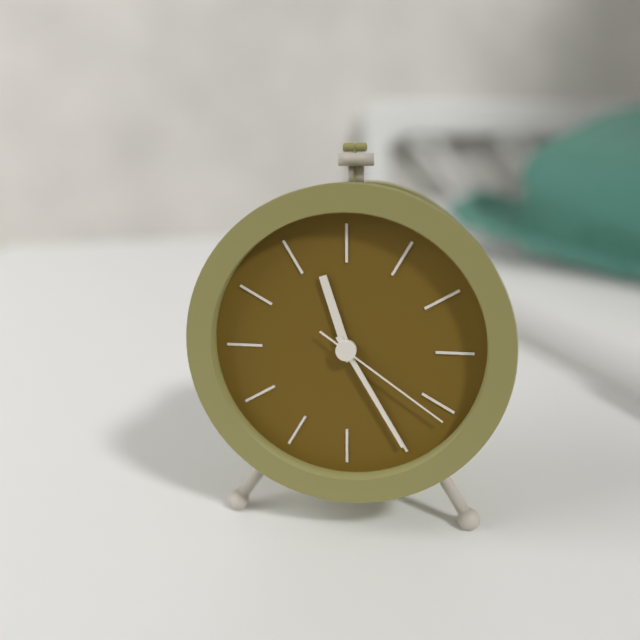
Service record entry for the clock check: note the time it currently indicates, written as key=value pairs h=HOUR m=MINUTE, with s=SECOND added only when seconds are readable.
h=11 m=25 s=21
